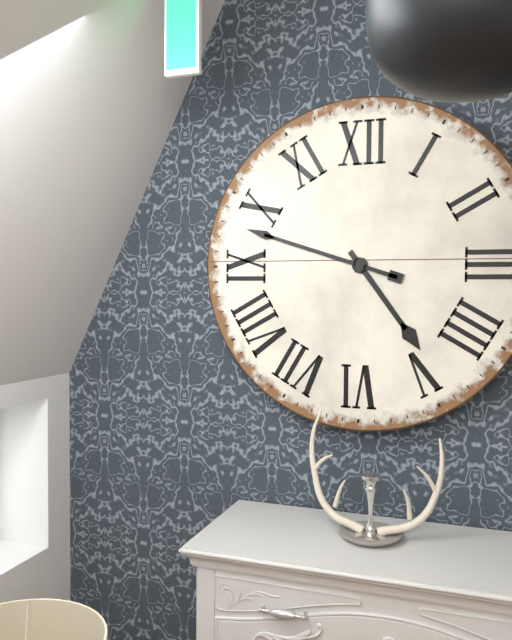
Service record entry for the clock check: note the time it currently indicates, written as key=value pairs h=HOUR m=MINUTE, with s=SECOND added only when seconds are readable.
h=4 m=48
